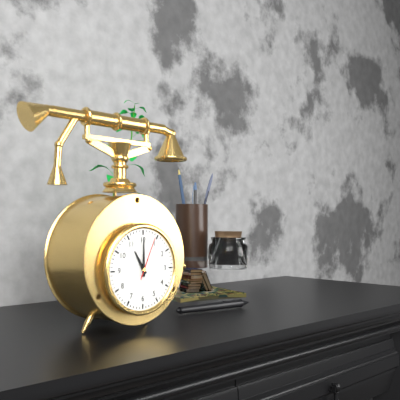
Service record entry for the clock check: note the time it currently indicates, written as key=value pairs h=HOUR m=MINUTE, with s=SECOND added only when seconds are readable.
h=11 m=0
